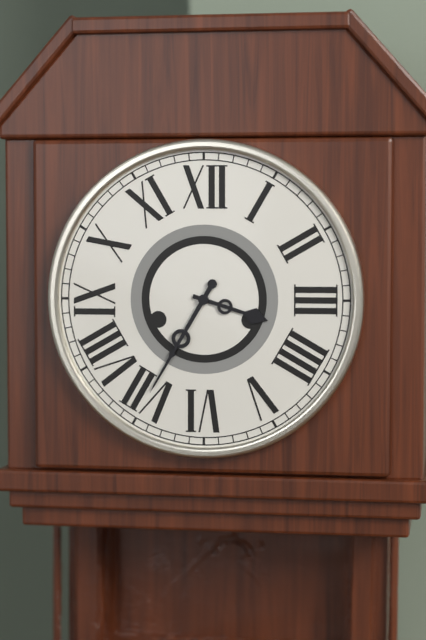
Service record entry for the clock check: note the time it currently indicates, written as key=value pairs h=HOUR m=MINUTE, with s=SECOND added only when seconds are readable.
h=3 m=35
